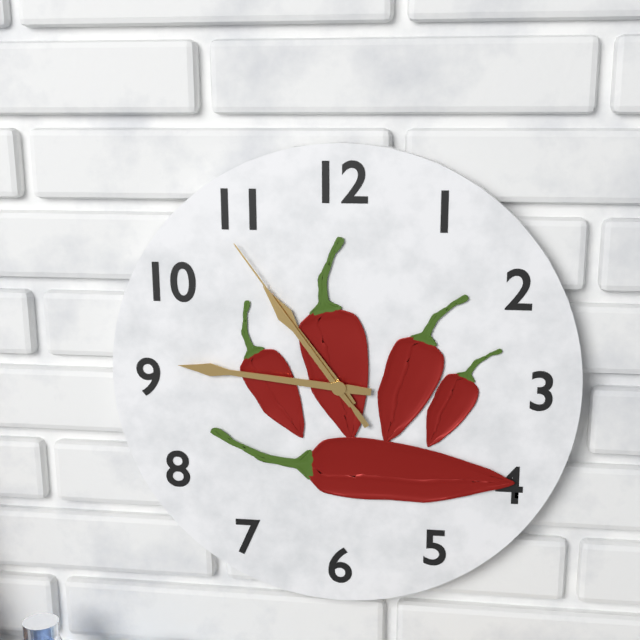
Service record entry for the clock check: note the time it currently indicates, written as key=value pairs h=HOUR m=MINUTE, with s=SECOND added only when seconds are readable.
h=10 m=46 s=54
